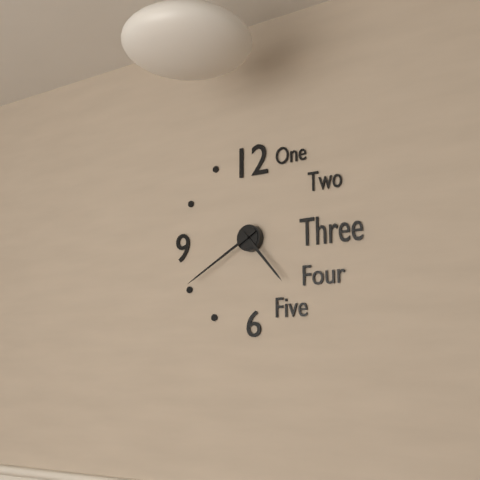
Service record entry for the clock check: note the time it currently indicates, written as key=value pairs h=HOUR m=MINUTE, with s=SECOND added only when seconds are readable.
h=4 m=40
